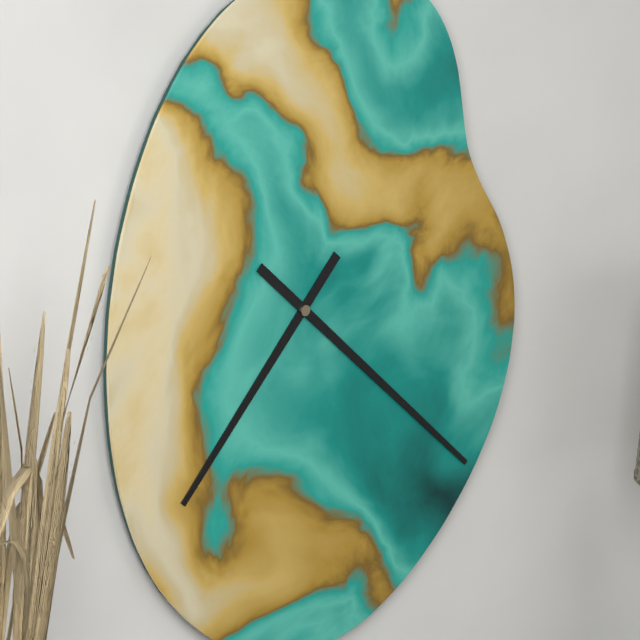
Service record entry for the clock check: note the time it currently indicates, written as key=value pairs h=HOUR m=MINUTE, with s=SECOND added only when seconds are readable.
h=7 m=22
